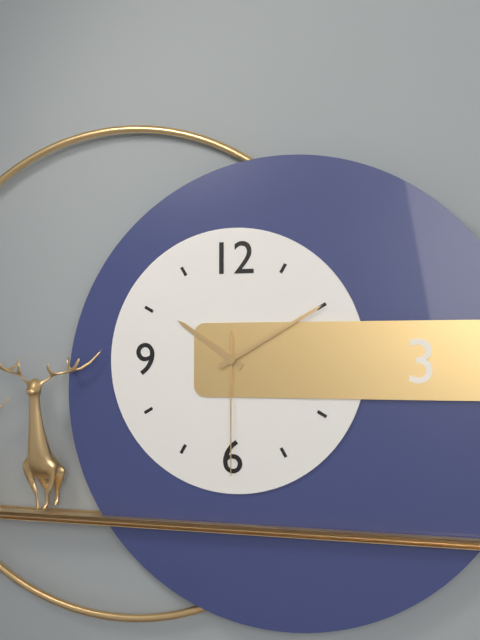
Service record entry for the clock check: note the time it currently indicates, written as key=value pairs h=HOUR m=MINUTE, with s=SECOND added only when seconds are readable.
h=10 m=10 s=30
